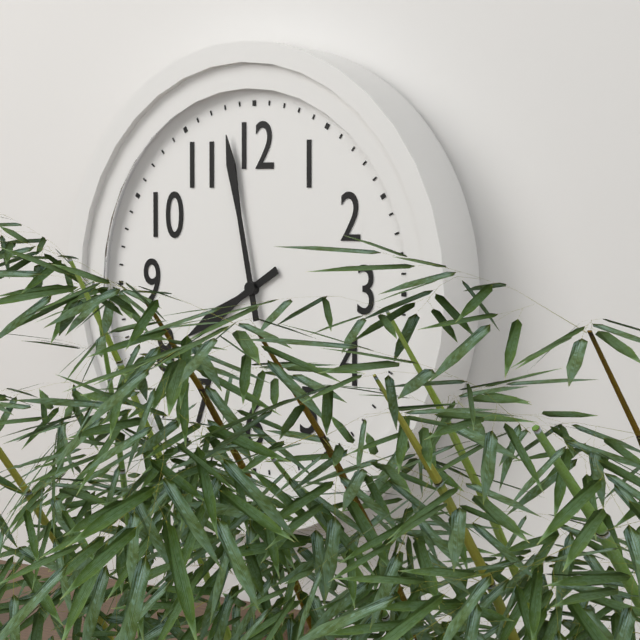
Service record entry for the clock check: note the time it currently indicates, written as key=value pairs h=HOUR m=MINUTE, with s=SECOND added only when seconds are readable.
h=7 m=58
